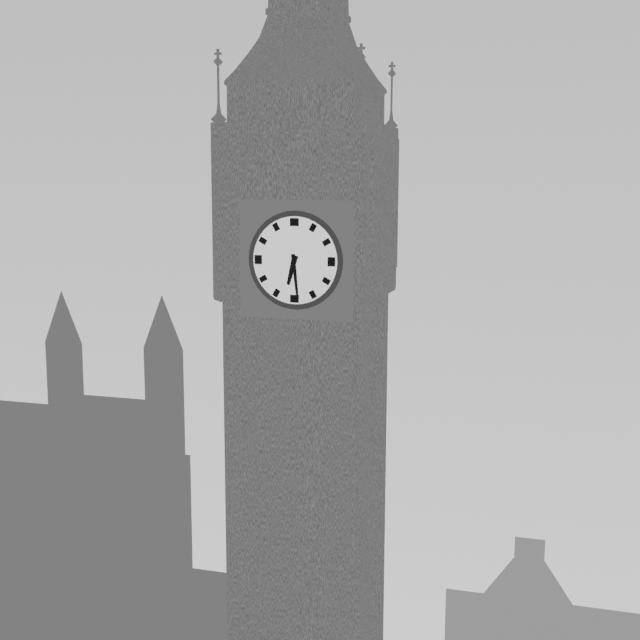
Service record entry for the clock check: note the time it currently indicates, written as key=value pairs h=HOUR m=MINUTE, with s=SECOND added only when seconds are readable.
h=6 m=29
